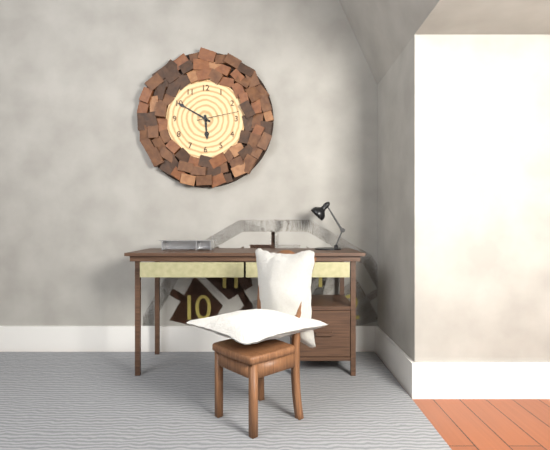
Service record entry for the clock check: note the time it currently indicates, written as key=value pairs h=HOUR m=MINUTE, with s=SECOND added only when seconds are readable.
h=5 m=50
